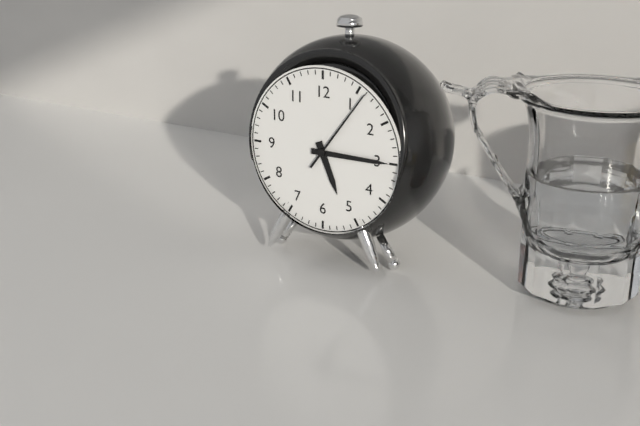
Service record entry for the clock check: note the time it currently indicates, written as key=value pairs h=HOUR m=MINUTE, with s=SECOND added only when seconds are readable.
h=5 m=15 s=6
